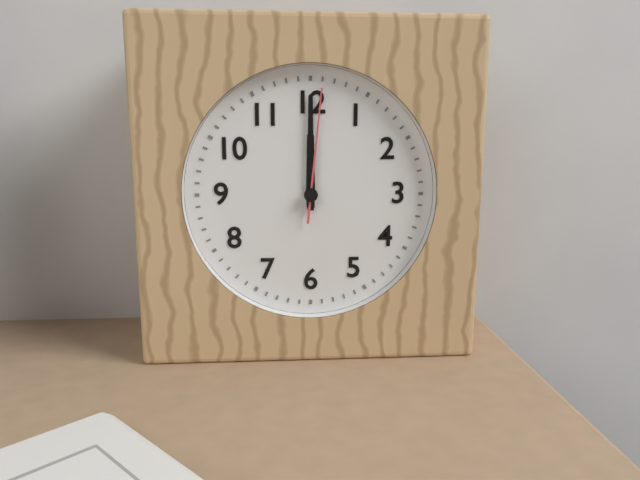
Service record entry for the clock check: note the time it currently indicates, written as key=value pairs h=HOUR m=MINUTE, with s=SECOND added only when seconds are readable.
h=12 m=0 s=1
